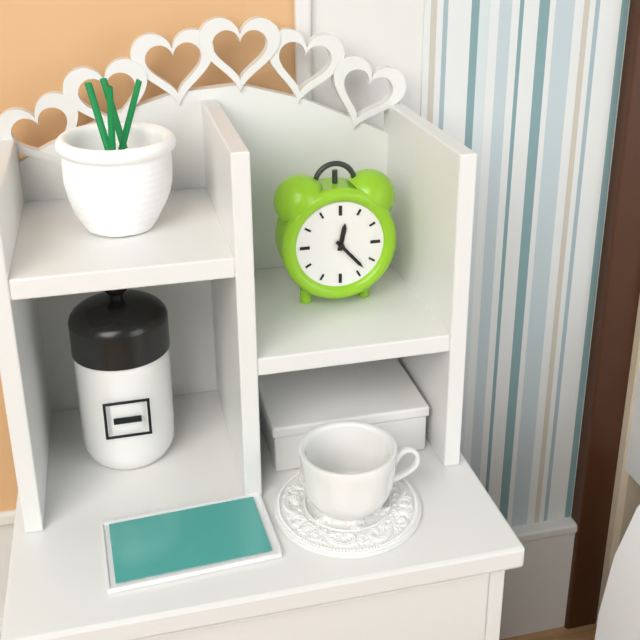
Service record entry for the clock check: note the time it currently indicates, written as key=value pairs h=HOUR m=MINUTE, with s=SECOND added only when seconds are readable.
h=12 m=23
